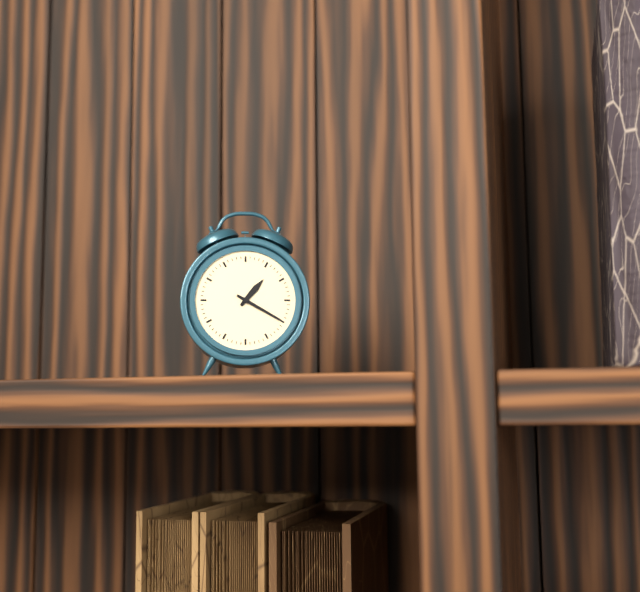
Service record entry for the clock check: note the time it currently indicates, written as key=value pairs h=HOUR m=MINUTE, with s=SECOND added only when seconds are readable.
h=1 m=20
